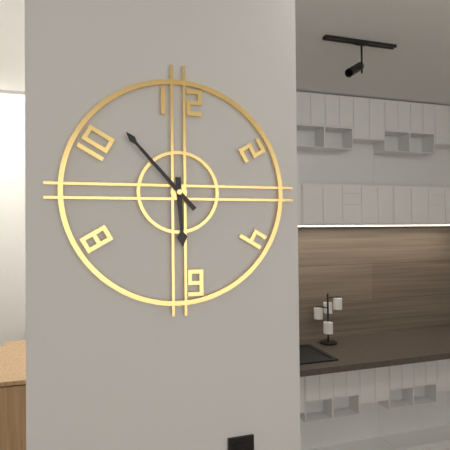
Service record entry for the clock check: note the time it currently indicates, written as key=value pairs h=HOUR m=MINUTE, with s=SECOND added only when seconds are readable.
h=5 m=53
